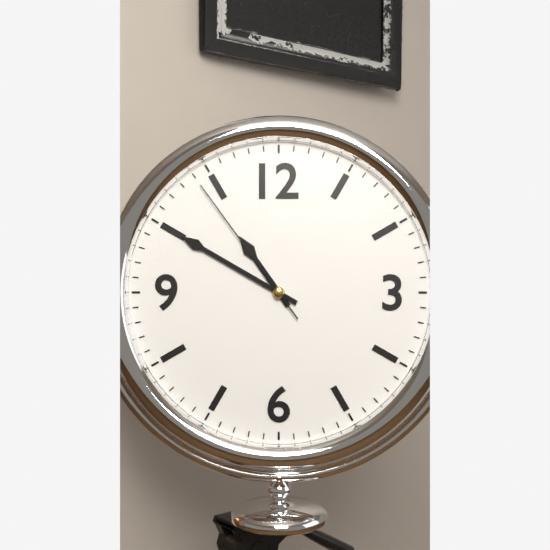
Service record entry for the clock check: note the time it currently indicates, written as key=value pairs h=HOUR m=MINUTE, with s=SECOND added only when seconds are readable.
h=10 m=50 s=54
